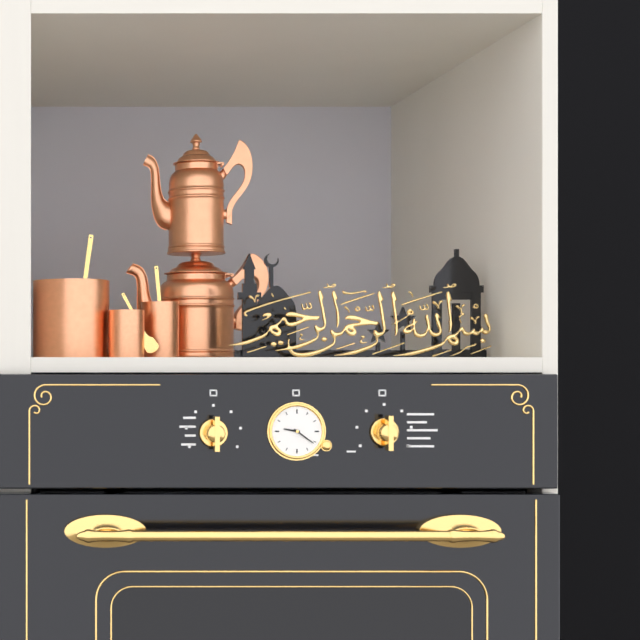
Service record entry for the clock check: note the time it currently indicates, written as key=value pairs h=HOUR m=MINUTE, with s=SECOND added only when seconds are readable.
h=9 m=21
